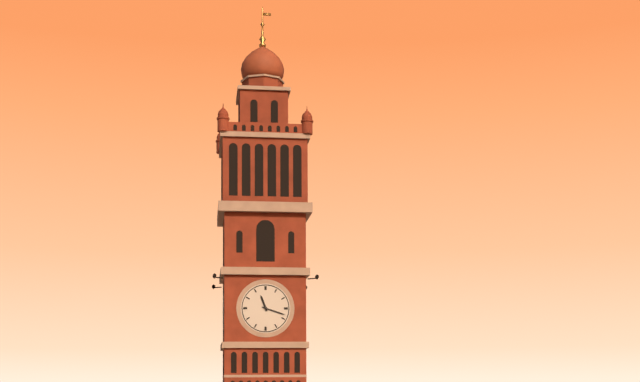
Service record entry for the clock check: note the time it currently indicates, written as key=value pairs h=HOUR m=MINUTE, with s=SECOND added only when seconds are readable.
h=11 m=18
